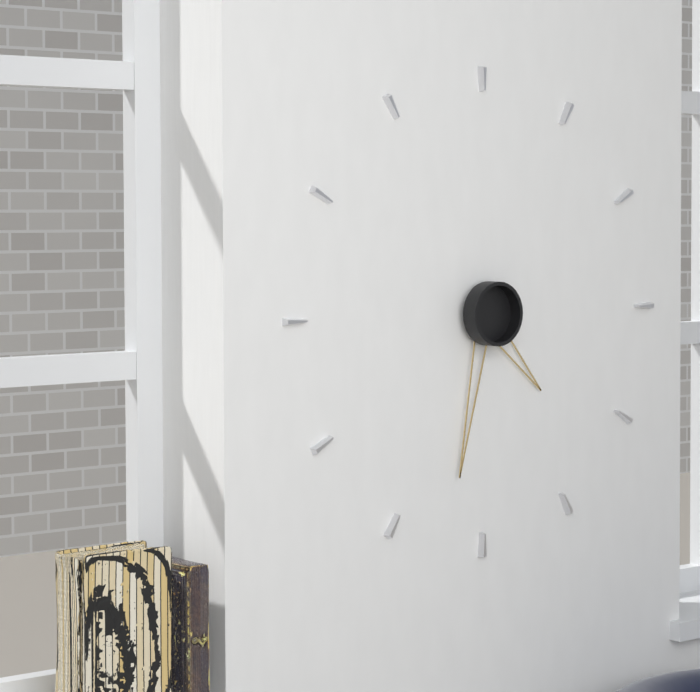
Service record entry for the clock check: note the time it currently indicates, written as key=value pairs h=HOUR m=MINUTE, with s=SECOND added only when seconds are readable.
h=4 m=32
